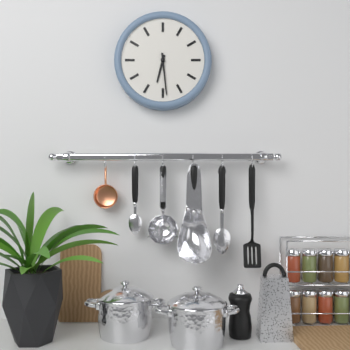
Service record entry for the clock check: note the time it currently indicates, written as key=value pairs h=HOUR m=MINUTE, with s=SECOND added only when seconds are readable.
h=6 m=29
